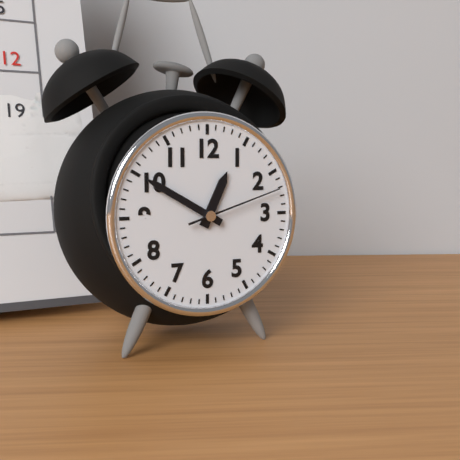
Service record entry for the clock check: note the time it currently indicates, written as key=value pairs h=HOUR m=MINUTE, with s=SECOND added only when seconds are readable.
h=12 m=50 s=12
